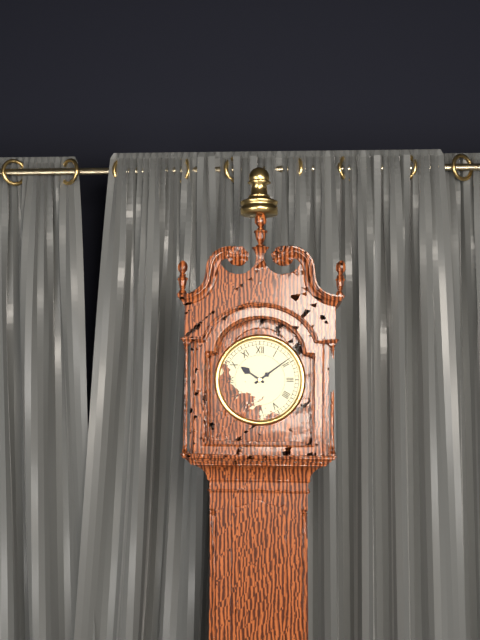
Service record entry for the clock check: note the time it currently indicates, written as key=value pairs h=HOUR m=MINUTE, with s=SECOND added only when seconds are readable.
h=10 m=9
